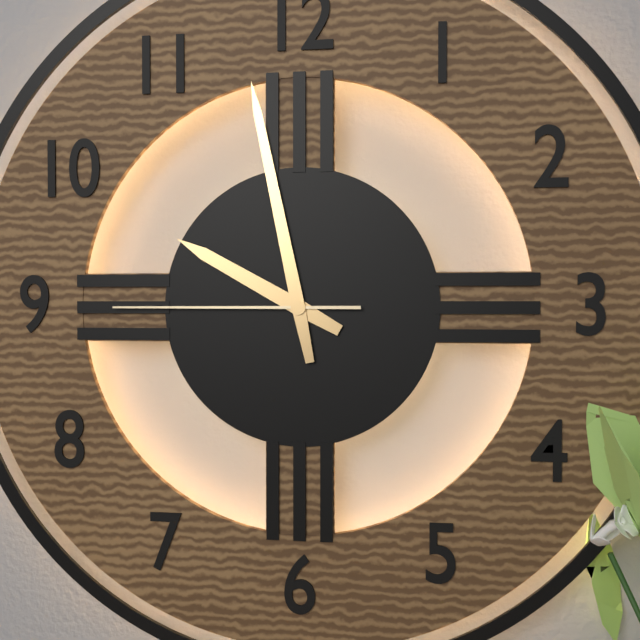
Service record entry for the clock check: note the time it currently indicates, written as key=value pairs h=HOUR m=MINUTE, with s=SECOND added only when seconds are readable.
h=9 m=58 s=45
